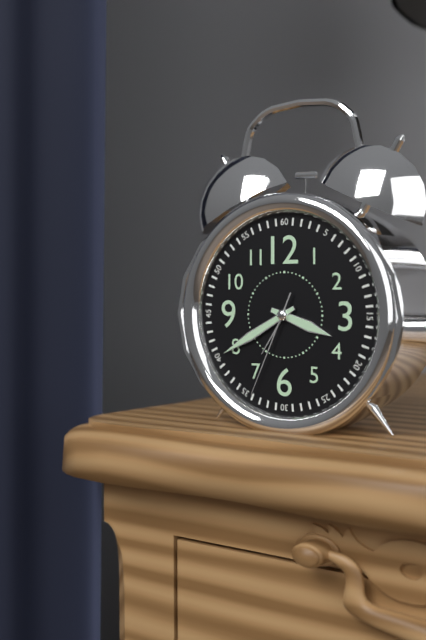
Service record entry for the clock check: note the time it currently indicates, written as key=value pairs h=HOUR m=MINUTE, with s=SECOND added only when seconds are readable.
h=3 m=40 s=34
